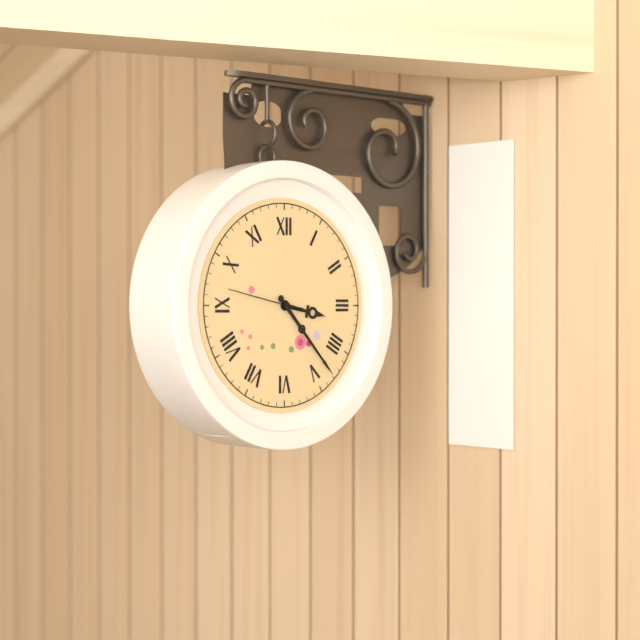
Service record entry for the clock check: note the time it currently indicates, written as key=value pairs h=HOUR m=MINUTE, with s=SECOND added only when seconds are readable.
h=3 m=23 s=47
